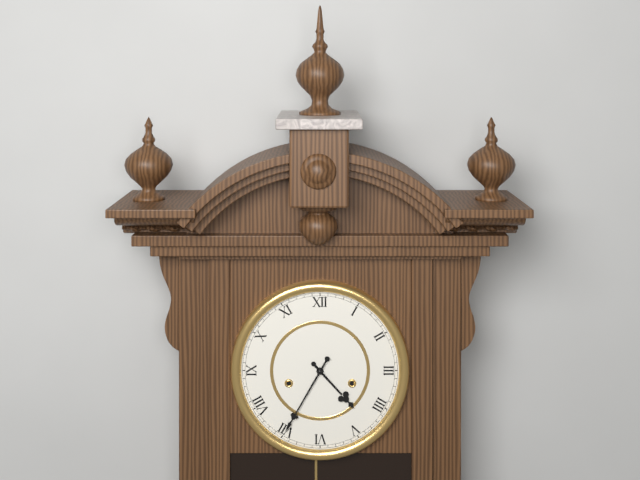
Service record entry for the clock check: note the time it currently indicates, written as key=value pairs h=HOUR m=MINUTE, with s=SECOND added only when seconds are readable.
h=4 m=35
